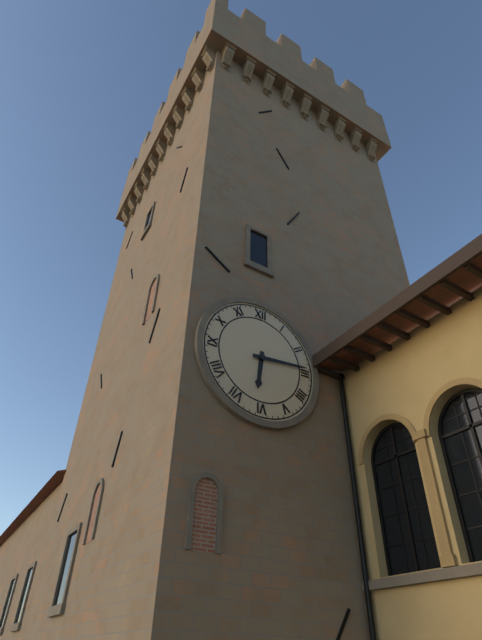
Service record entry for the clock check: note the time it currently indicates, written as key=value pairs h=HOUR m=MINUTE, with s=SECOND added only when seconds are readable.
h=6 m=14
